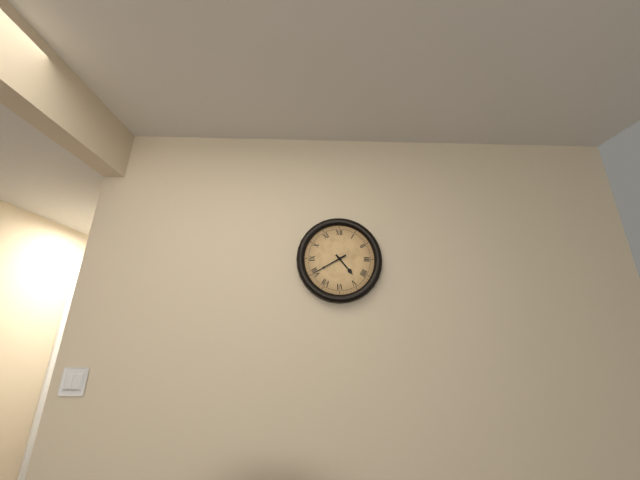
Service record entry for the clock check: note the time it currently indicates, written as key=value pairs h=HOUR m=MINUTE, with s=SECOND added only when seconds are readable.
h=4 m=40
